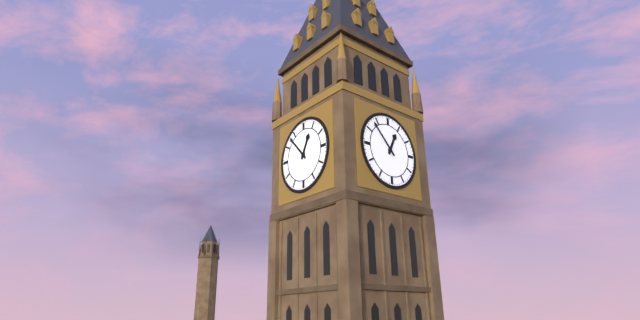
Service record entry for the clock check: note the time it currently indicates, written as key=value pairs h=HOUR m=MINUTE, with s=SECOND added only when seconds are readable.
h=12 m=53
